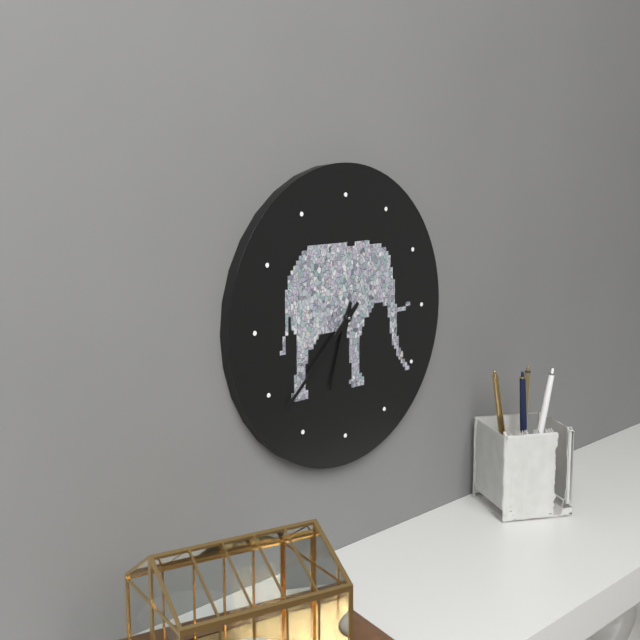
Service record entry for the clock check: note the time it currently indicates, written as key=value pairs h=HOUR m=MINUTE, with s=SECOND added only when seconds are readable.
h=6 m=38
